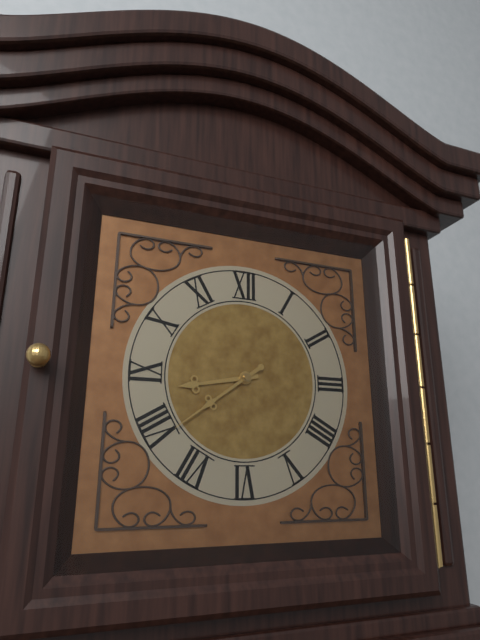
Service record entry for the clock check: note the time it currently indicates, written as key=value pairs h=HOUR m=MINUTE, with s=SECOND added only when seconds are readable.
h=8 m=39
